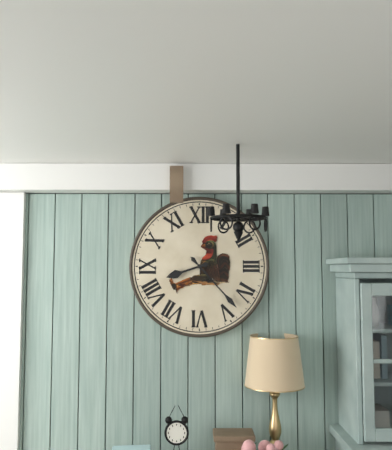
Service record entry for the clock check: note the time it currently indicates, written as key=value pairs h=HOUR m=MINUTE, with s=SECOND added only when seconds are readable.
h=8 m=23
